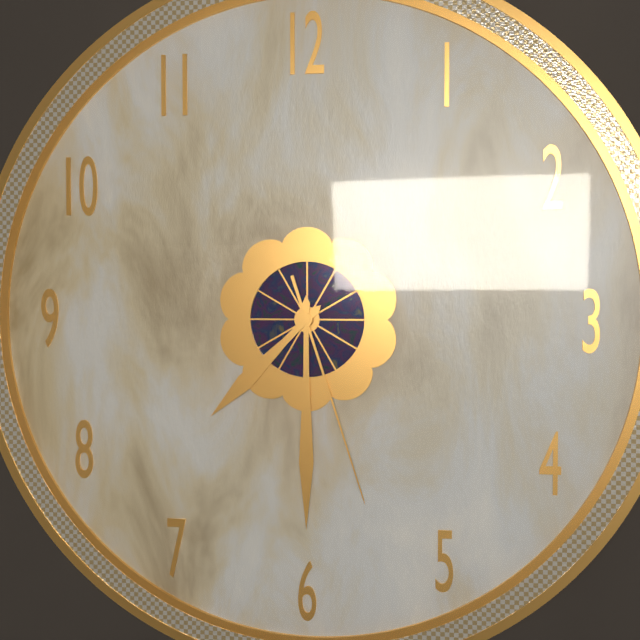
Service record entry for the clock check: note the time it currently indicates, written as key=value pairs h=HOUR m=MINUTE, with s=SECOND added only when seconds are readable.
h=7 m=30 s=27
